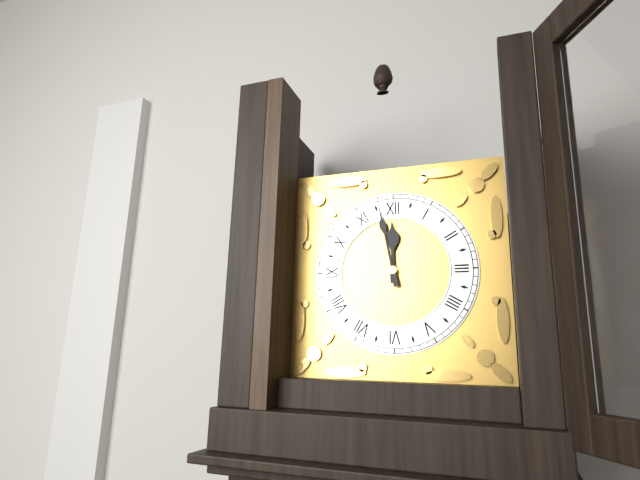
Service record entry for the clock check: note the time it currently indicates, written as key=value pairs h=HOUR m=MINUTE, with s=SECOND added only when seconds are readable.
h=11 m=58
